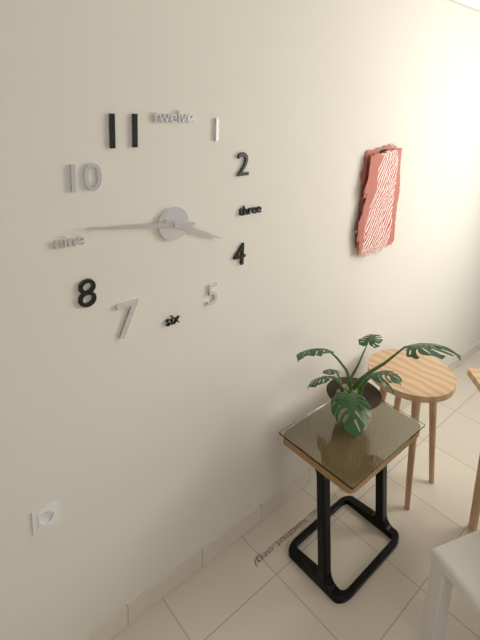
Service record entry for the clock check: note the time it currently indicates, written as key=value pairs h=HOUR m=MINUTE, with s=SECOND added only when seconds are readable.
h=3 m=46
